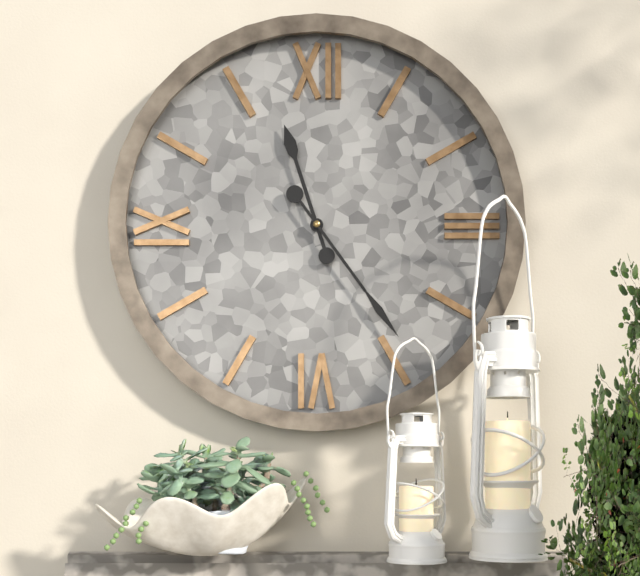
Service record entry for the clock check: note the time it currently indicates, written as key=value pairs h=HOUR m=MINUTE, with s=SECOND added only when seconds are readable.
h=11 m=24
